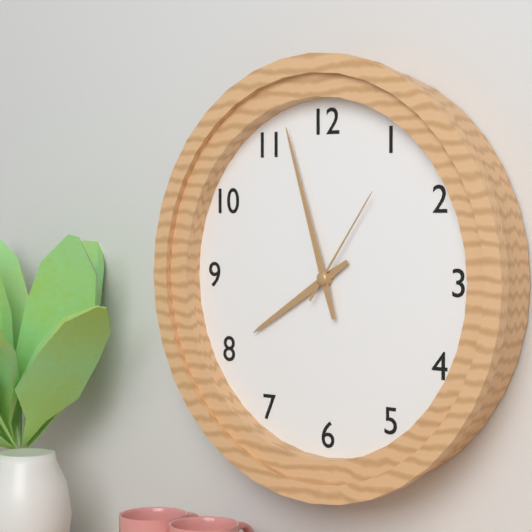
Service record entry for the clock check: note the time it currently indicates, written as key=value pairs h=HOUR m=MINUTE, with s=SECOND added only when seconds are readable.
h=7 m=57 s=6
